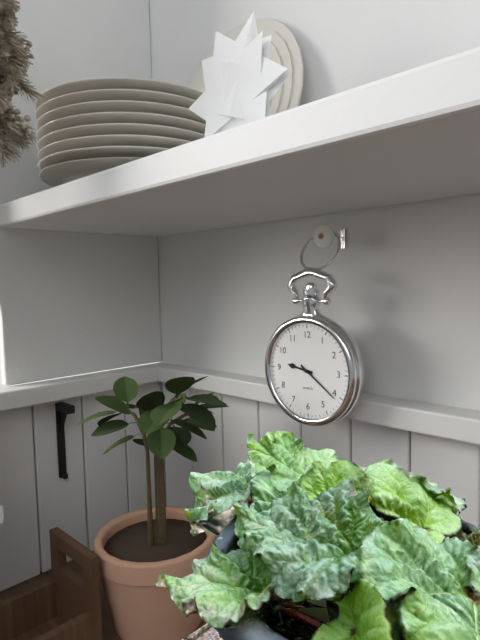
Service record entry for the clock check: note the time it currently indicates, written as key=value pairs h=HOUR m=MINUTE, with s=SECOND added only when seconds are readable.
h=9 m=21
